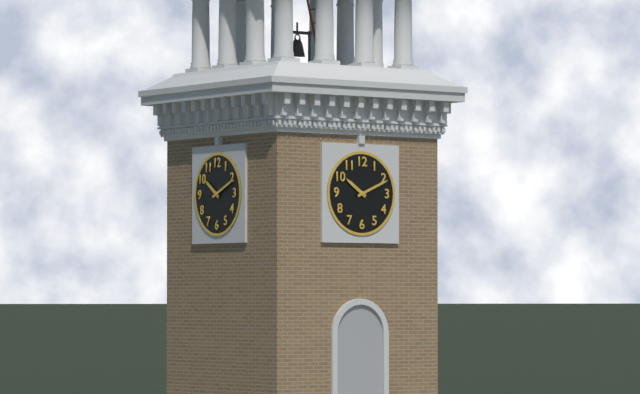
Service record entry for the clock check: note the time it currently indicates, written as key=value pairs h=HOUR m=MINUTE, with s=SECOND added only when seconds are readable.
h=10 m=11
